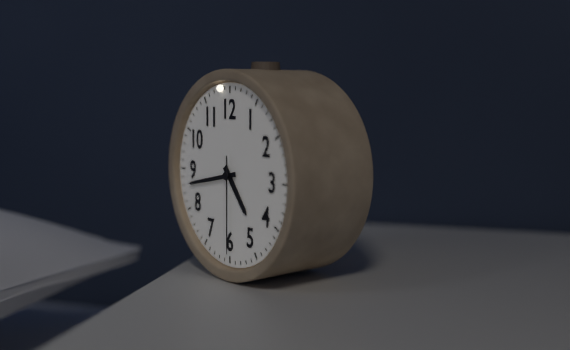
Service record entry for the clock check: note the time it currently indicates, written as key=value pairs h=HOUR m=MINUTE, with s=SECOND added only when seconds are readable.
h=4 m=43 s=30
